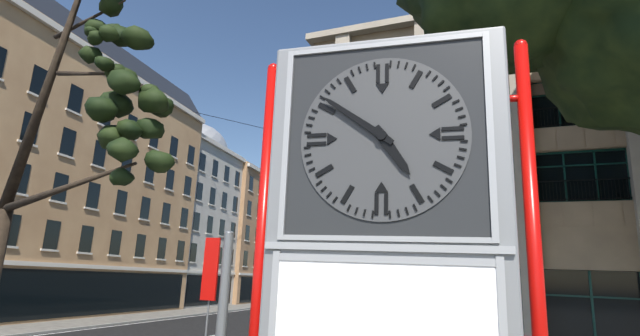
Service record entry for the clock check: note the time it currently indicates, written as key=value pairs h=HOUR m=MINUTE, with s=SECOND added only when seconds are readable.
h=4 m=51
